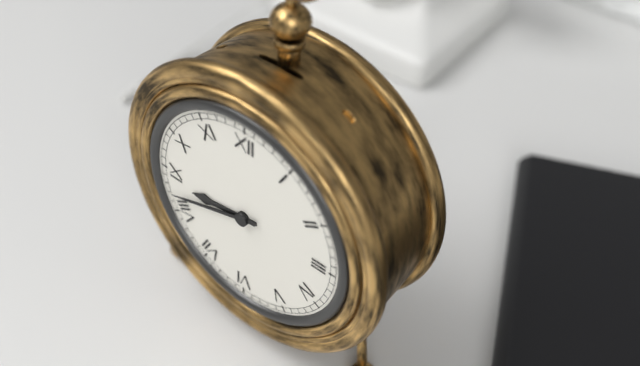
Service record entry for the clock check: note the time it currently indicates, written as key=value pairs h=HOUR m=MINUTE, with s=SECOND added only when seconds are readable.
h=8 m=42
